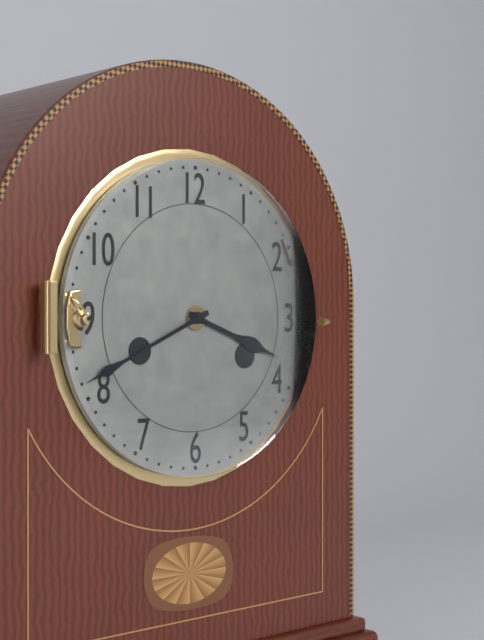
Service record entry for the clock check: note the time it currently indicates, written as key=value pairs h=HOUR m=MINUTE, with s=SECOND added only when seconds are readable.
h=3 m=41
